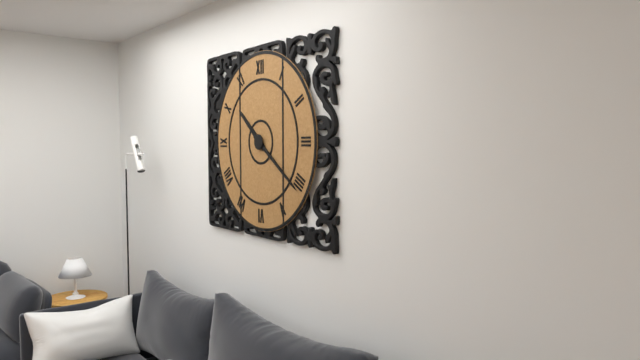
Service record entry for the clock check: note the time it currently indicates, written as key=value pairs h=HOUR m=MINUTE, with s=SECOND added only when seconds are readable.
h=10 m=21
